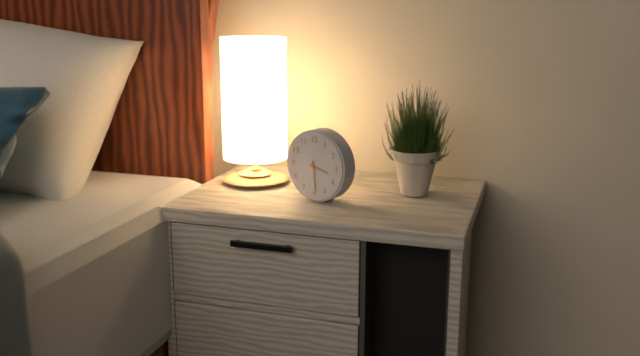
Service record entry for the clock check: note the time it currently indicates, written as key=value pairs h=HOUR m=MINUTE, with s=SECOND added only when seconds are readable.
h=3 m=29
